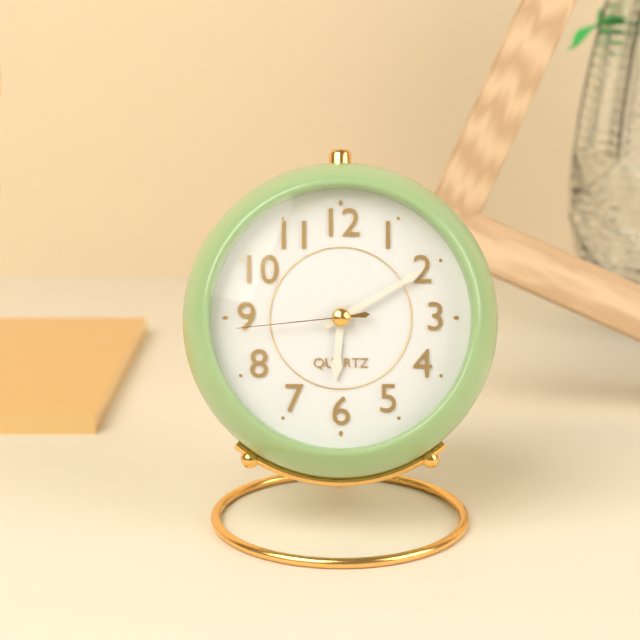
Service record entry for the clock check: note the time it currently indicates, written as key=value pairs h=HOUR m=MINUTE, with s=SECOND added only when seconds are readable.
h=6 m=10 s=44
